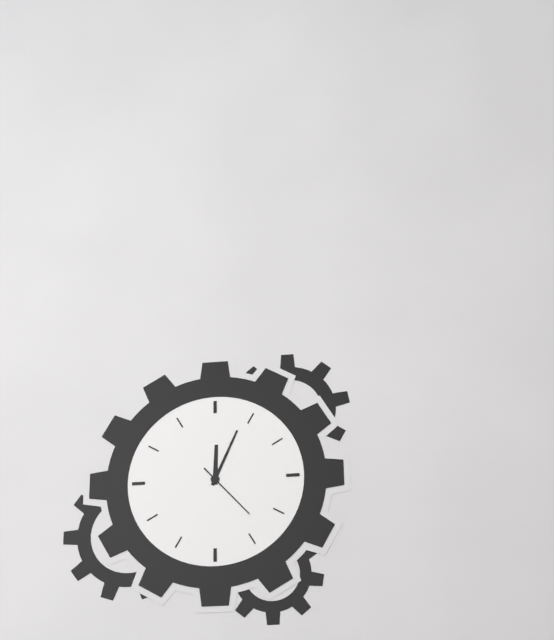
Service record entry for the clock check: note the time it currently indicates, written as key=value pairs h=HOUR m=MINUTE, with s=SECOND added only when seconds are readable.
h=12 m=4 s=23
